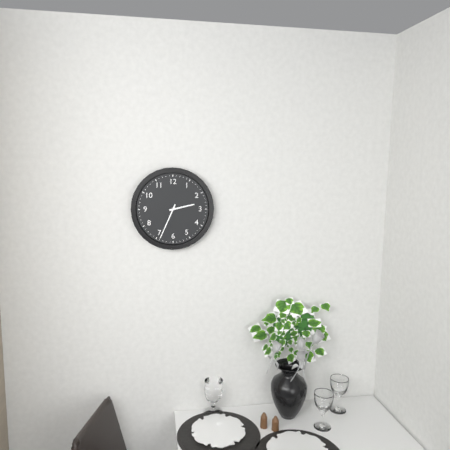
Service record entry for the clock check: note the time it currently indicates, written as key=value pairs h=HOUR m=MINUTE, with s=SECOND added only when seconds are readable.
h=2 m=34
